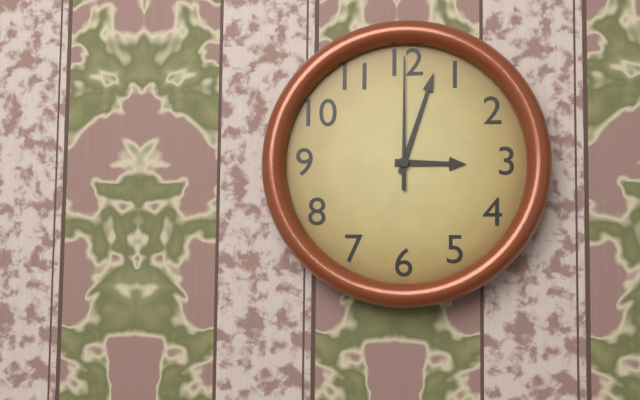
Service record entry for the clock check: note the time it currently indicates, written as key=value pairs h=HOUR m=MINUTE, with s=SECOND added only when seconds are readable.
h=3 m=3 s=0
